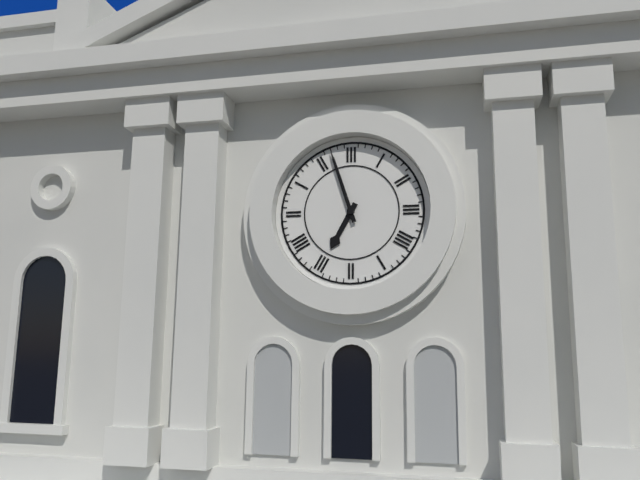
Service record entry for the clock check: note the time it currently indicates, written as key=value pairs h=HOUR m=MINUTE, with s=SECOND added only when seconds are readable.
h=6 m=57
